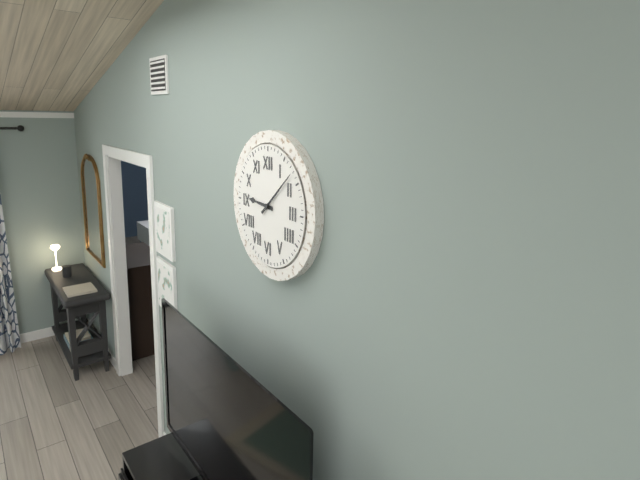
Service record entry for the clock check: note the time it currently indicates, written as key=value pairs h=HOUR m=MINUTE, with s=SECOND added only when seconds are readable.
h=9 m=8
